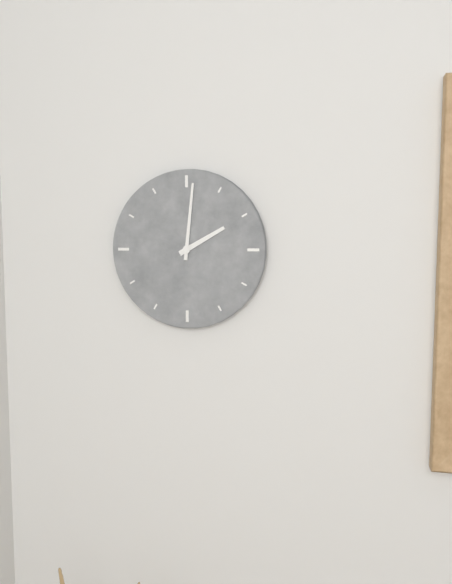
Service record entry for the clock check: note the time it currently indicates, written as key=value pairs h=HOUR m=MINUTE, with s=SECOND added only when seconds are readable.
h=2 m=1
